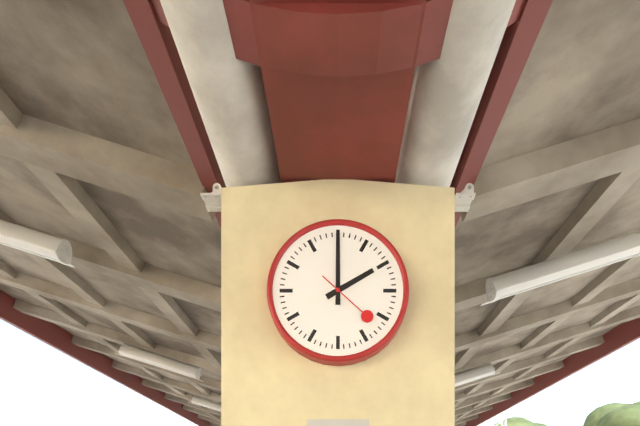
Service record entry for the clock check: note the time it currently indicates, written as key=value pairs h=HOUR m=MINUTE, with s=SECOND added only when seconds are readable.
h=2 m=0 s=22
